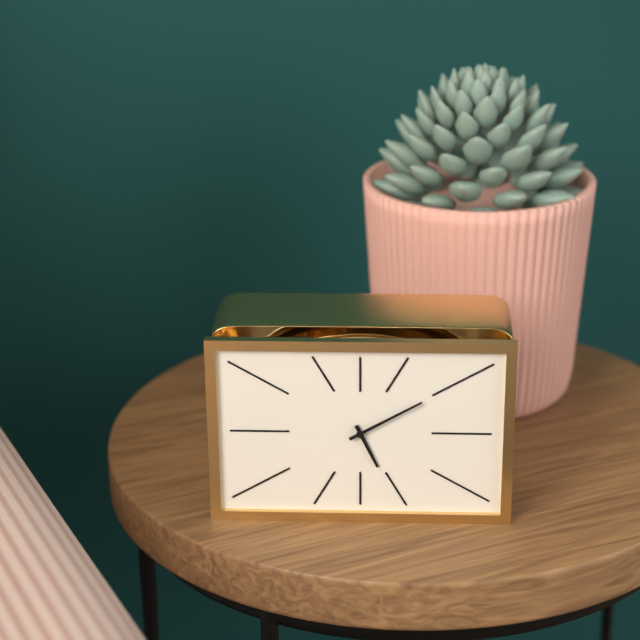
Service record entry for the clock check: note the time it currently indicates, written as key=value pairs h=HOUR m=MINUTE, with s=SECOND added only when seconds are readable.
h=5 m=10
